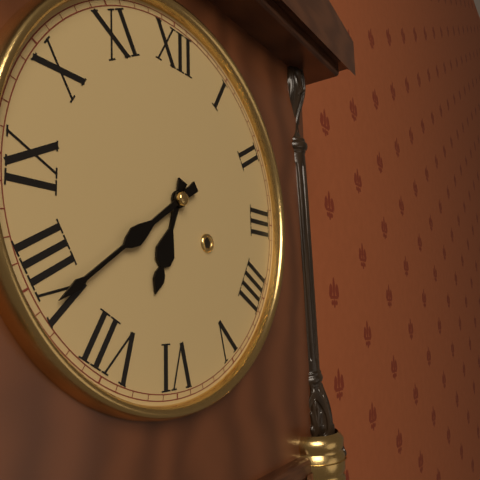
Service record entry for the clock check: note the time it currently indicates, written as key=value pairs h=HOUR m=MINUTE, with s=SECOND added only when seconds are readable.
h=6 m=39
